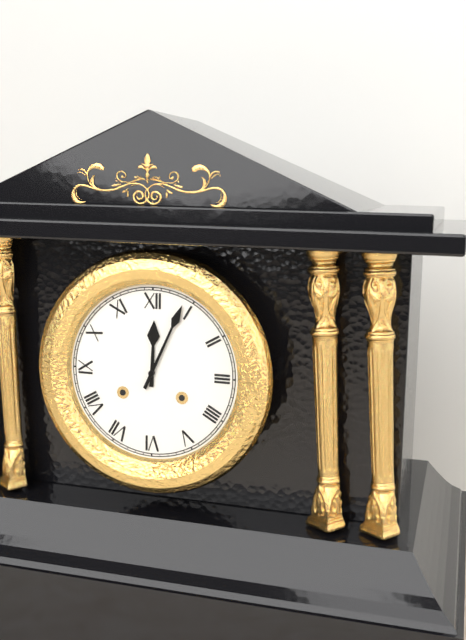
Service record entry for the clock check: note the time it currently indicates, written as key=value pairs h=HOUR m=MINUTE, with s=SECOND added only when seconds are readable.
h=12 m=4
